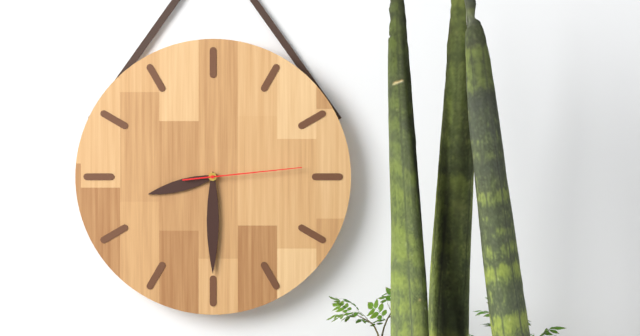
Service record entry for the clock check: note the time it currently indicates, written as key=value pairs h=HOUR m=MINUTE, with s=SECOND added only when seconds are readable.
h=8 m=30 s=14
